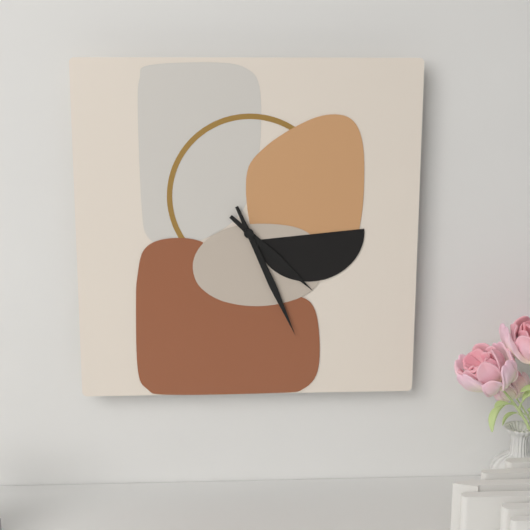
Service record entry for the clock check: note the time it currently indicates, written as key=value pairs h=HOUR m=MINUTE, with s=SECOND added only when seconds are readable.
h=4 m=26
